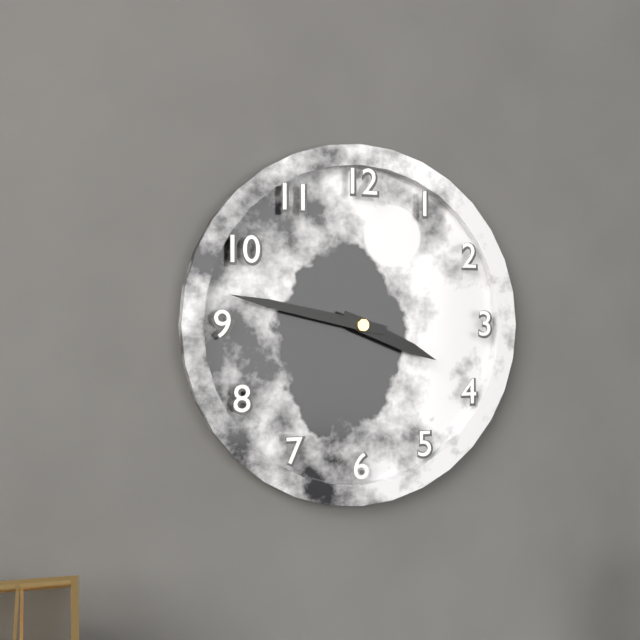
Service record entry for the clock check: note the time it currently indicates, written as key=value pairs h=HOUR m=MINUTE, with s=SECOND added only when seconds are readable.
h=3 m=47
